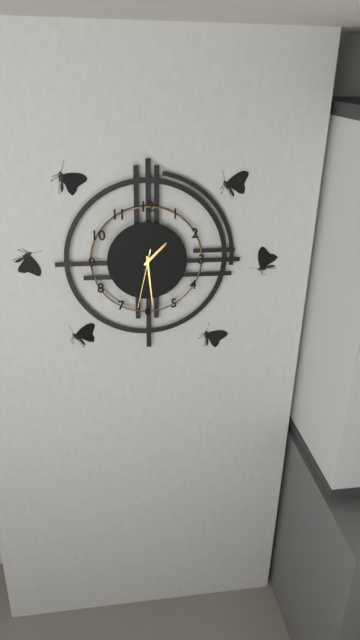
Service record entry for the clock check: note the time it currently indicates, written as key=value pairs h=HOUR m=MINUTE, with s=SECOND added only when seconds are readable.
h=1 m=29 s=32
